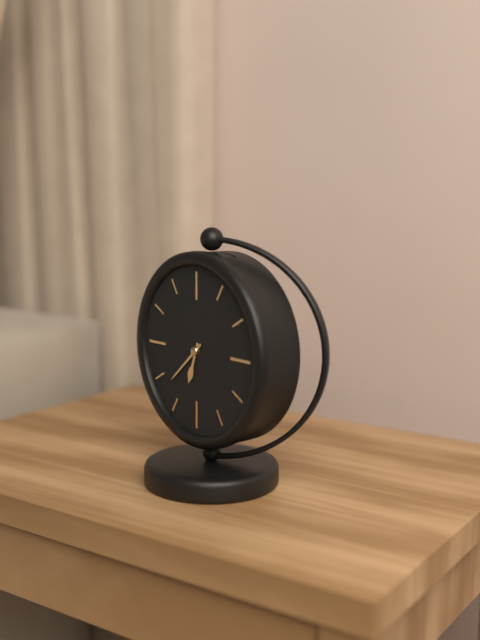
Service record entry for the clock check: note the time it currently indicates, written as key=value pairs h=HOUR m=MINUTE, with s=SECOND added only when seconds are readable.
h=6 m=38
